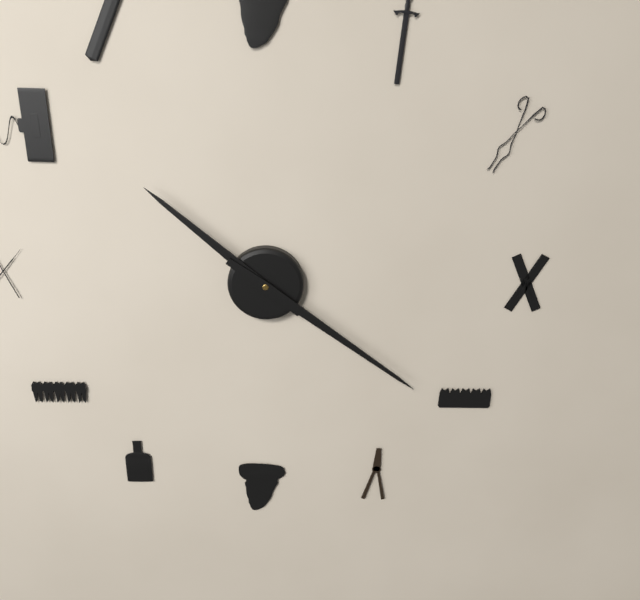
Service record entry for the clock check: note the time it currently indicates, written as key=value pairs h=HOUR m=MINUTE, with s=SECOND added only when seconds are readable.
h=10 m=21
